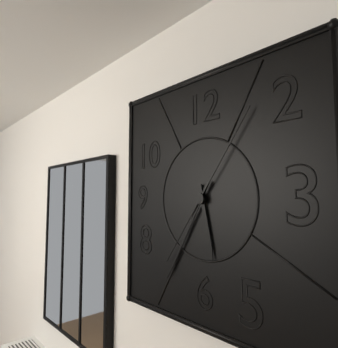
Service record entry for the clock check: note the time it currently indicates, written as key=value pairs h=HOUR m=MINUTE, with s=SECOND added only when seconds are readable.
h=5 m=35 s=6
